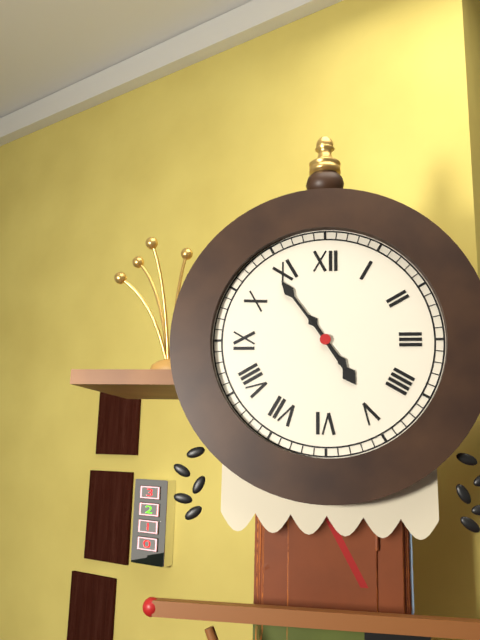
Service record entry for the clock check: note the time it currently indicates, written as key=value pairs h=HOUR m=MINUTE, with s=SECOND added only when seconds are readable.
h=4 m=54
